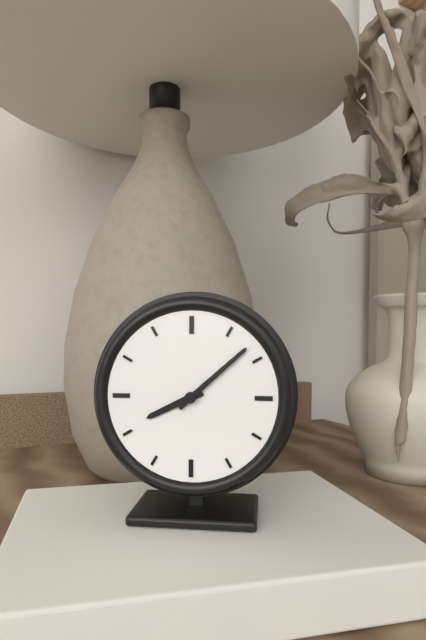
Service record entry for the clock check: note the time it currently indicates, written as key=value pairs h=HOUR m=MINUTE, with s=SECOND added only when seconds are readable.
h=8 m=8
